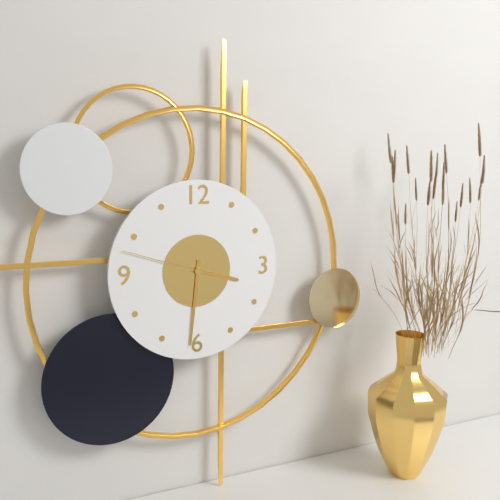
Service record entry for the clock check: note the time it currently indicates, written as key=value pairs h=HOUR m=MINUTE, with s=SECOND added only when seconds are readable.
h=3 m=31 s=48
